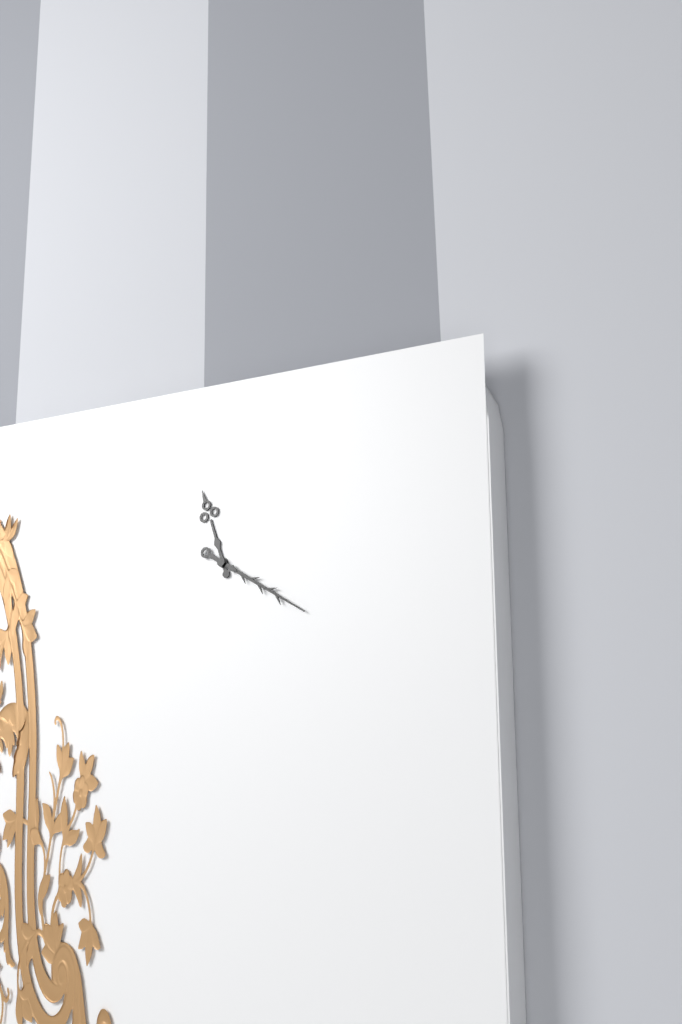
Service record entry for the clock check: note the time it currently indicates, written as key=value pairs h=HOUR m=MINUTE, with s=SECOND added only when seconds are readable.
h=11 m=20
